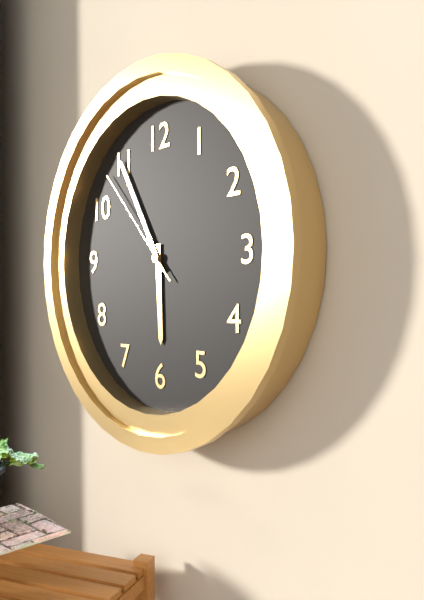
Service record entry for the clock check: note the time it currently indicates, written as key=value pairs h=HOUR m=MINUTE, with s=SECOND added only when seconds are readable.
h=5 m=55 s=53
